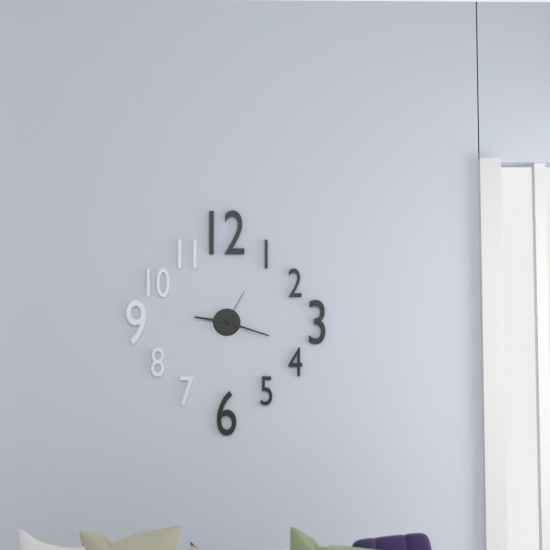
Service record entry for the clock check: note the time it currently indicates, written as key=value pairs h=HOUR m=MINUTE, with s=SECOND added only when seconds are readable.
h=9 m=18
